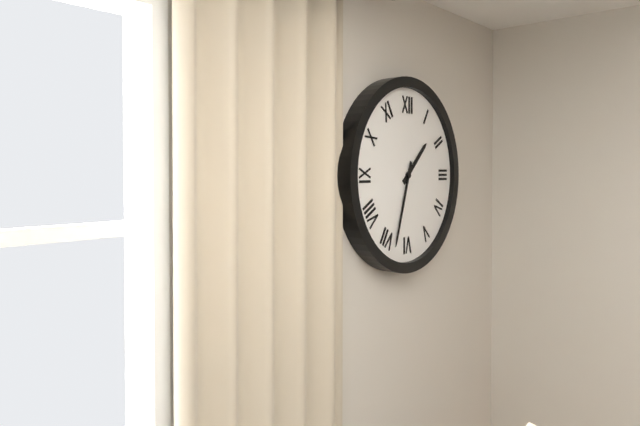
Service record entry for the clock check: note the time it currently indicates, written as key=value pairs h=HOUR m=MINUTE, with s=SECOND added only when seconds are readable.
h=1 m=33
